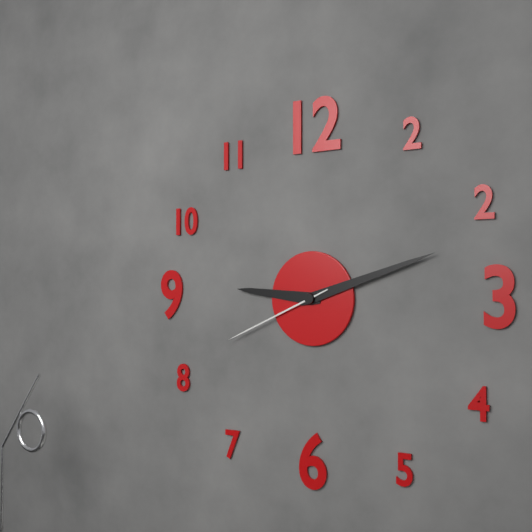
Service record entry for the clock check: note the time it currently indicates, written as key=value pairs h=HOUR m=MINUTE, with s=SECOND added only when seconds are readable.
h=9 m=12 s=41
